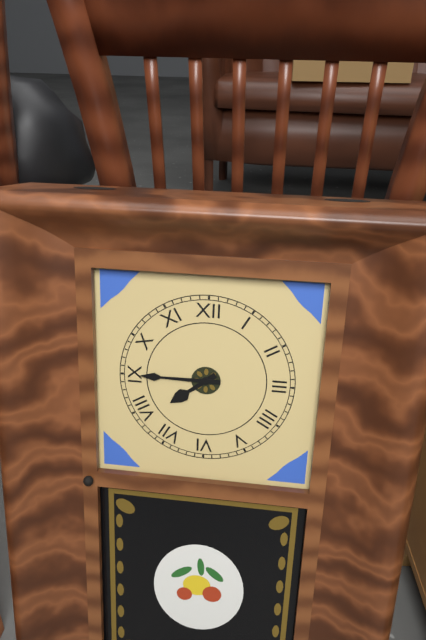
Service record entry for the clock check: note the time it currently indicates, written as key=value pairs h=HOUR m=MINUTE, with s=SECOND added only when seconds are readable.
h=7 m=45
